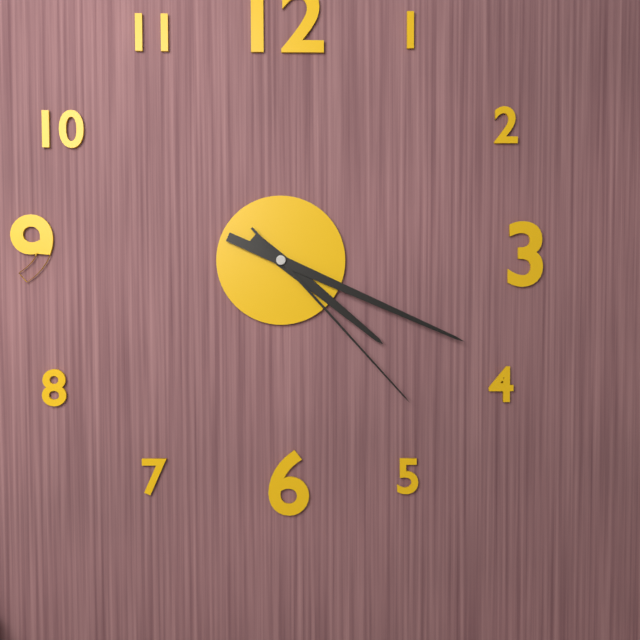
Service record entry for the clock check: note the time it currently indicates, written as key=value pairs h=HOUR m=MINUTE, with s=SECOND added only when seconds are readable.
h=4 m=19 s=23
